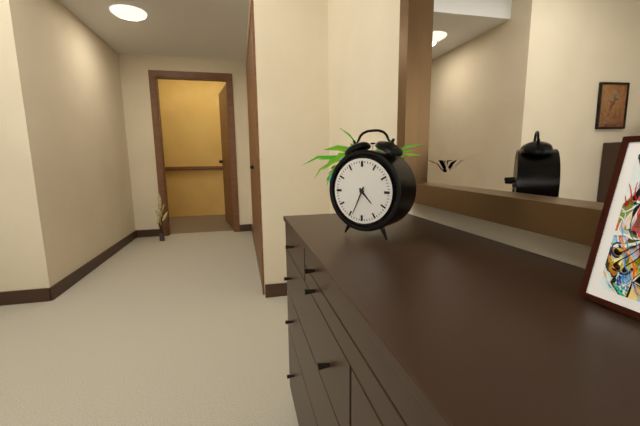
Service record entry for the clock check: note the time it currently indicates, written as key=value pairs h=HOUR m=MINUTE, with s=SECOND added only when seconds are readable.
h=4 m=34
